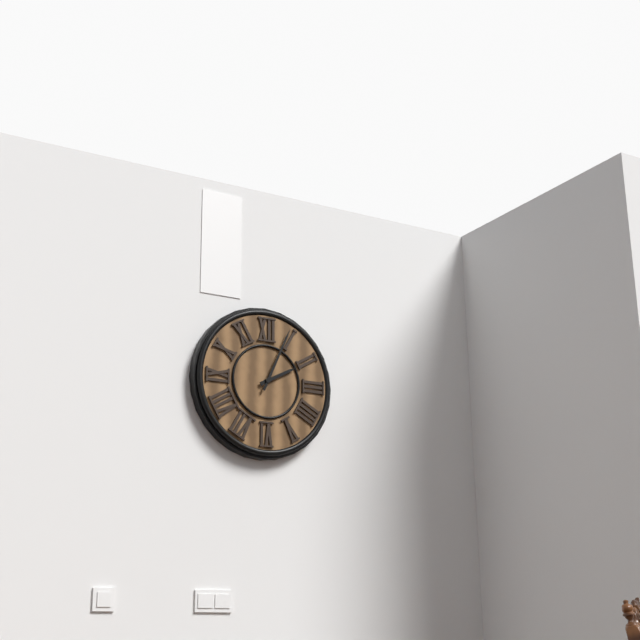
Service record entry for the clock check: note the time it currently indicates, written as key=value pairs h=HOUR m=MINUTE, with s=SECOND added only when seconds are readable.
h=2 m=4
